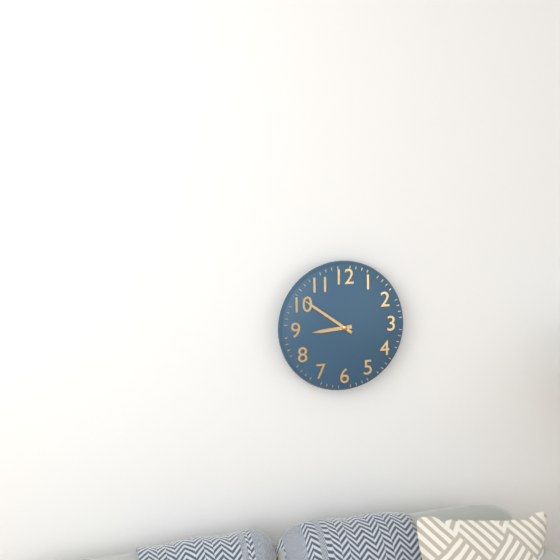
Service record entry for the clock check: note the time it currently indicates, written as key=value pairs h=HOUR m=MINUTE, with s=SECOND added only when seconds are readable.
h=8 m=51
